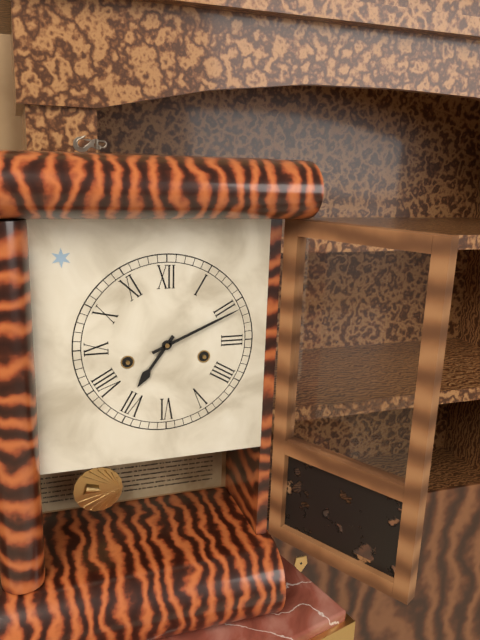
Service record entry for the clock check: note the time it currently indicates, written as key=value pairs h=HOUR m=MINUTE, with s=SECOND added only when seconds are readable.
h=7 m=11
